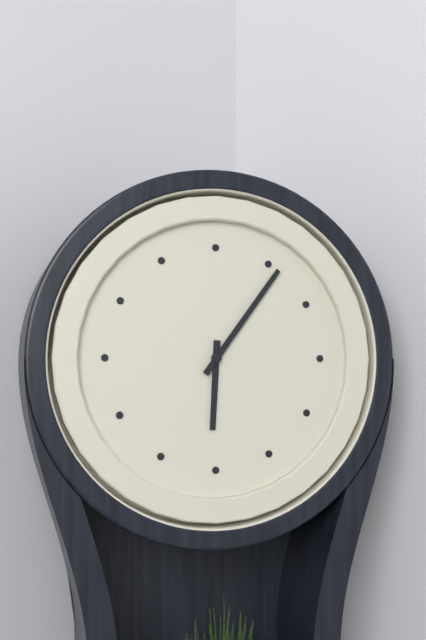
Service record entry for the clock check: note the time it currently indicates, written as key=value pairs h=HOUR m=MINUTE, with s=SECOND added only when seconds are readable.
h=6 m=6
